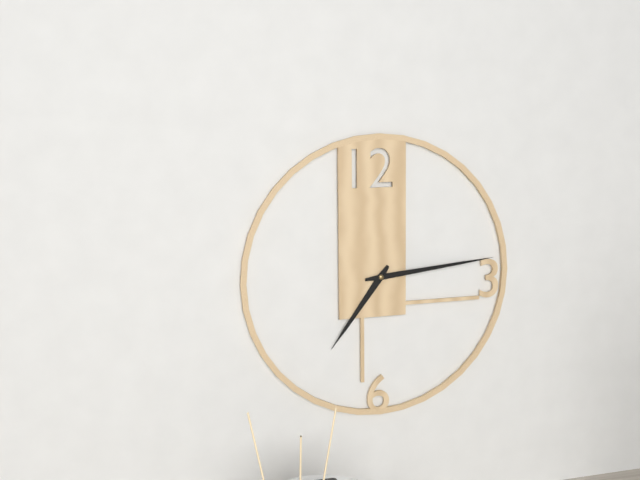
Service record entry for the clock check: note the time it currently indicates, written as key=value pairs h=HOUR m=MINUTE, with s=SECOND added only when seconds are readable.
h=7 m=14
